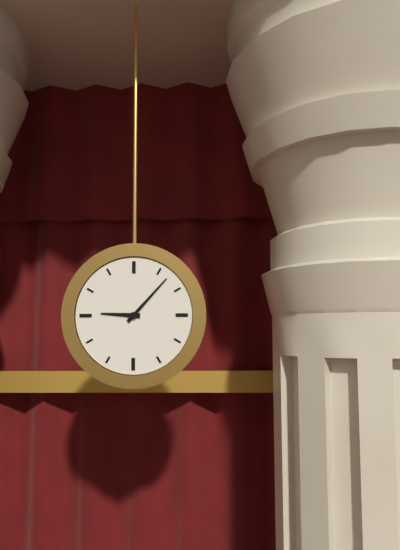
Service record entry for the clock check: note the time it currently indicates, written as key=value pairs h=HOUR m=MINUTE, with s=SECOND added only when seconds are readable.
h=9 m=7
